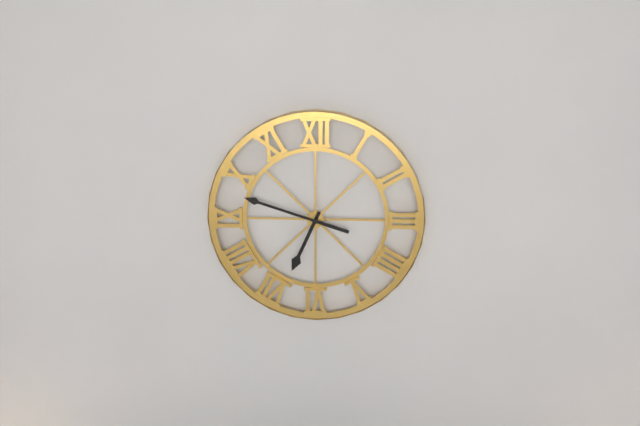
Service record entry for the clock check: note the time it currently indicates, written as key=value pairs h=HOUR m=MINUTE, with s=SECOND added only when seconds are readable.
h=6 m=48
